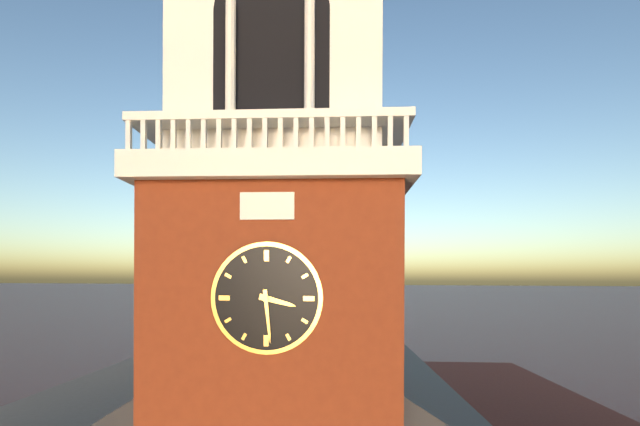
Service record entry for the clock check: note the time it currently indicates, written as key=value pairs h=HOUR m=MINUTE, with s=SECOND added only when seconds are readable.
h=3 m=29
